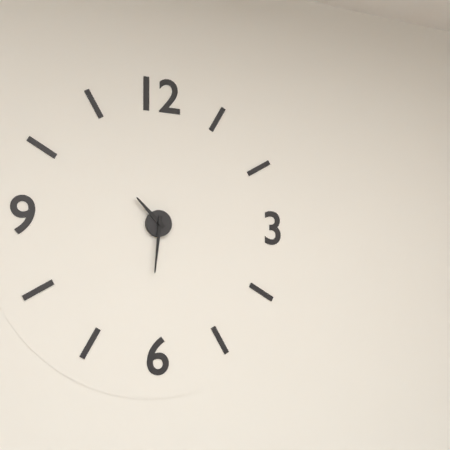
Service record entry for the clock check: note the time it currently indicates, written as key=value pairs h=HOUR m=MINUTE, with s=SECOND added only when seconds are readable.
h=10 m=31
